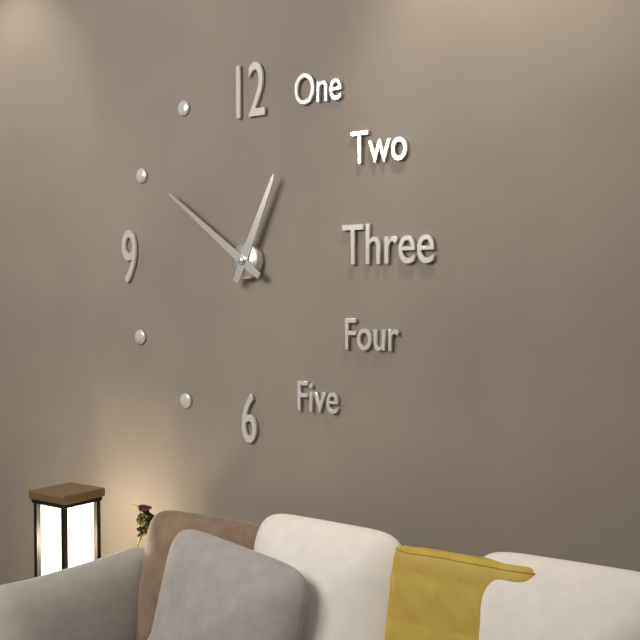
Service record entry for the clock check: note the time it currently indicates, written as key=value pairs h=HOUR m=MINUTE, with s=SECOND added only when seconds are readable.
h=12 m=51
